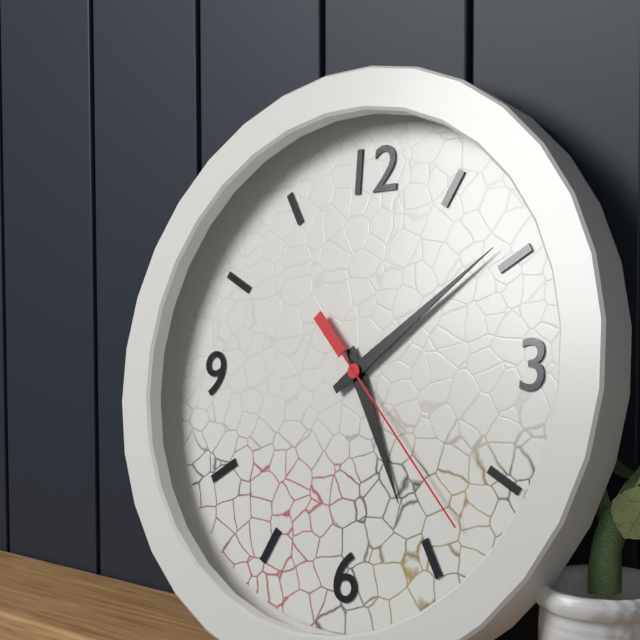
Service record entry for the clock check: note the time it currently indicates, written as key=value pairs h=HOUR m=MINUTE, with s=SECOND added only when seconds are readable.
h=5 m=9 s=23
